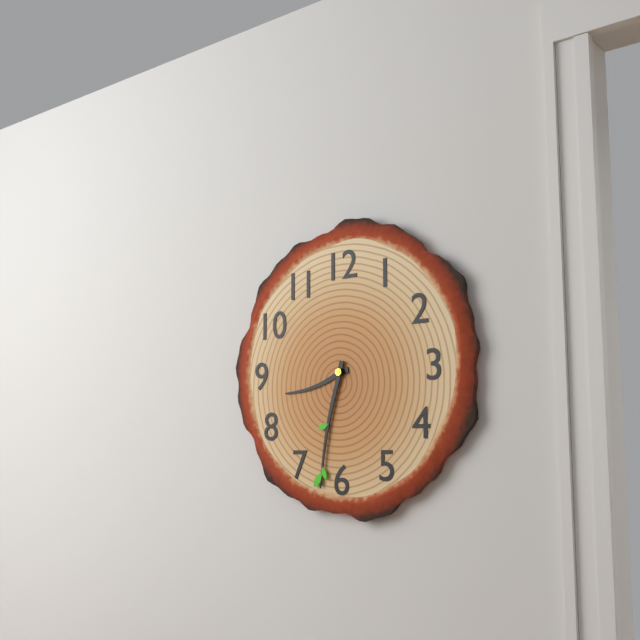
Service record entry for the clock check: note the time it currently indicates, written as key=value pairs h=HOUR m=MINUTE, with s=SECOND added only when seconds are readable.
h=8 m=32
